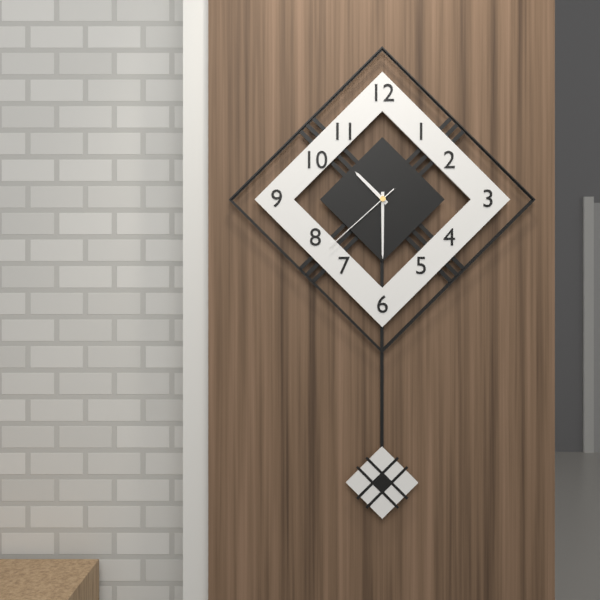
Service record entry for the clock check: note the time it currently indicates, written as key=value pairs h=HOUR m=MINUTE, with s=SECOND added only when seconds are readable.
h=10 m=30 s=38
